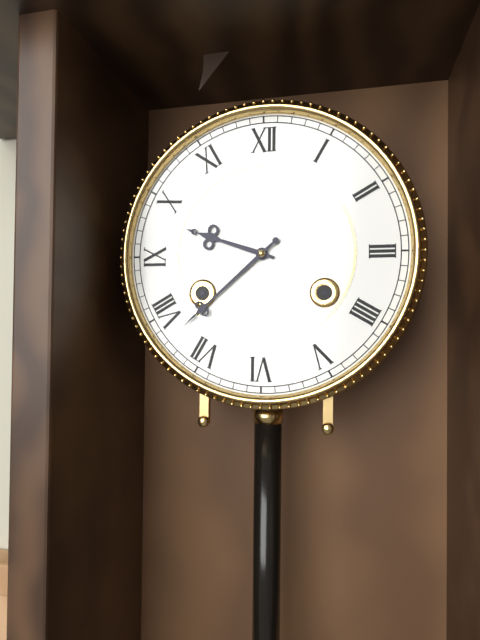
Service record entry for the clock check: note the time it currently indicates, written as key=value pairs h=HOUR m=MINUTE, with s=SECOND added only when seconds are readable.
h=9 m=38
